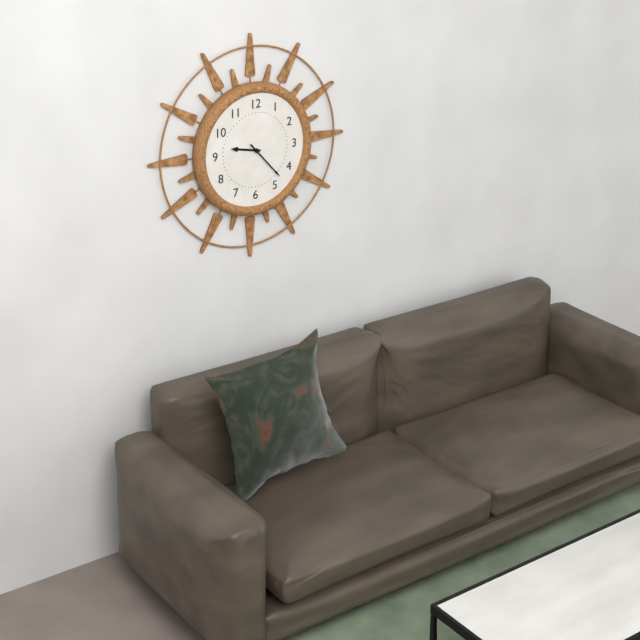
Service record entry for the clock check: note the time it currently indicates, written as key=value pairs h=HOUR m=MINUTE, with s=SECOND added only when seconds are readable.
h=9 m=23
